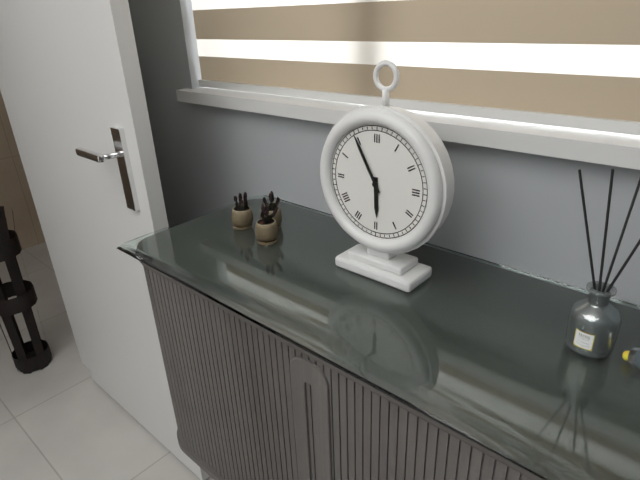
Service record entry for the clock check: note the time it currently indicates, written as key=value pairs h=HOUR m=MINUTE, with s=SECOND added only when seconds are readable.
h=5 m=55
